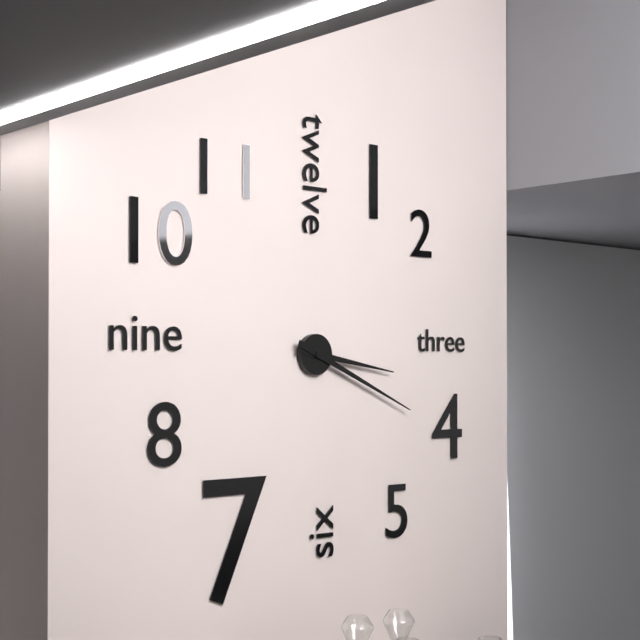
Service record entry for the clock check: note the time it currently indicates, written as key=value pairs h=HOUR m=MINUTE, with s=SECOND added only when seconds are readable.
h=3 m=19
